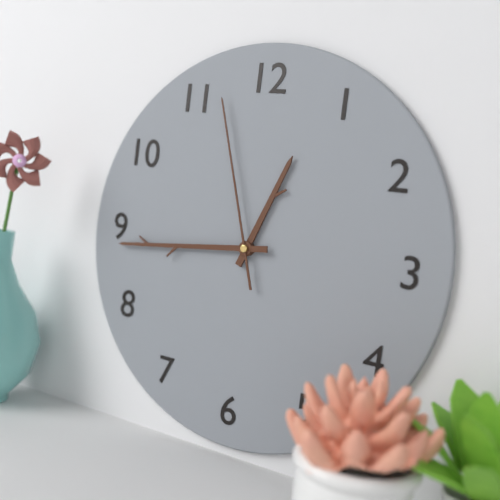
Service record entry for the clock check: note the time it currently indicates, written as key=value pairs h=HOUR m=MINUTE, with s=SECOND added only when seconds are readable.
h=12 m=44 s=57
